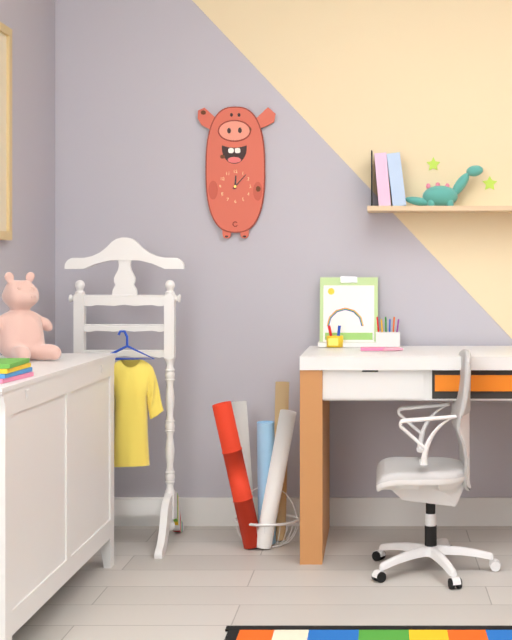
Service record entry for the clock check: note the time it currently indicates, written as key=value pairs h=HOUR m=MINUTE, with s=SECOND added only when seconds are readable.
h=12 m=7
